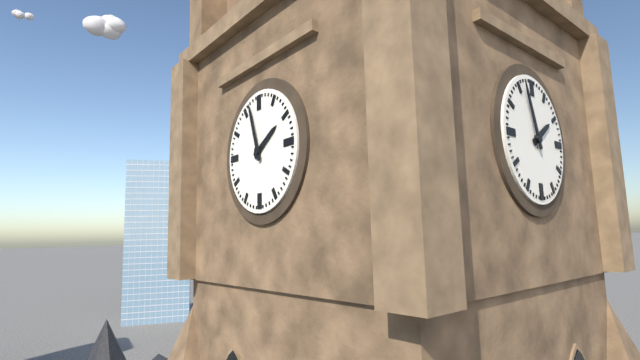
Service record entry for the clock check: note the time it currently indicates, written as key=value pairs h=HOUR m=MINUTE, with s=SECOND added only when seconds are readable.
h=1 m=57
